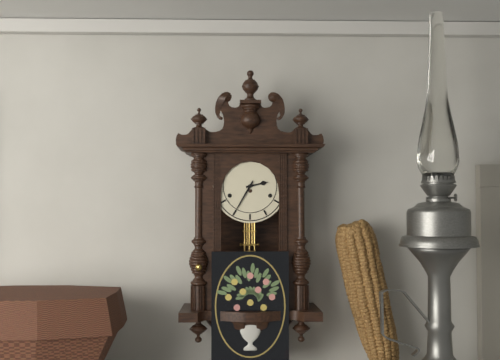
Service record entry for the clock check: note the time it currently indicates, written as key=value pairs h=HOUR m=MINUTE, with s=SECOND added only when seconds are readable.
h=2 m=35
